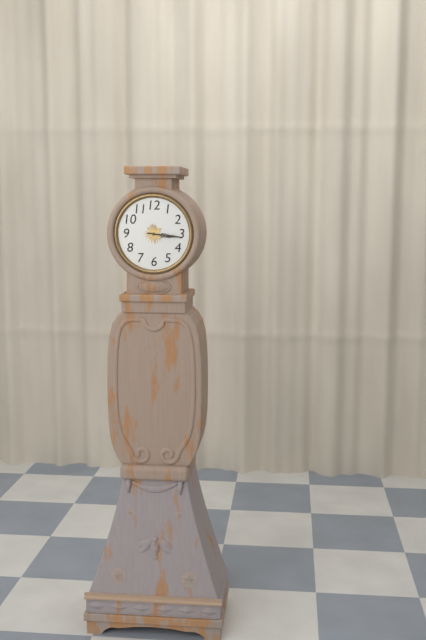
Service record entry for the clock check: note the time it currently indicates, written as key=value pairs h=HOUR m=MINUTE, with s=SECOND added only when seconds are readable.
h=3 m=16
